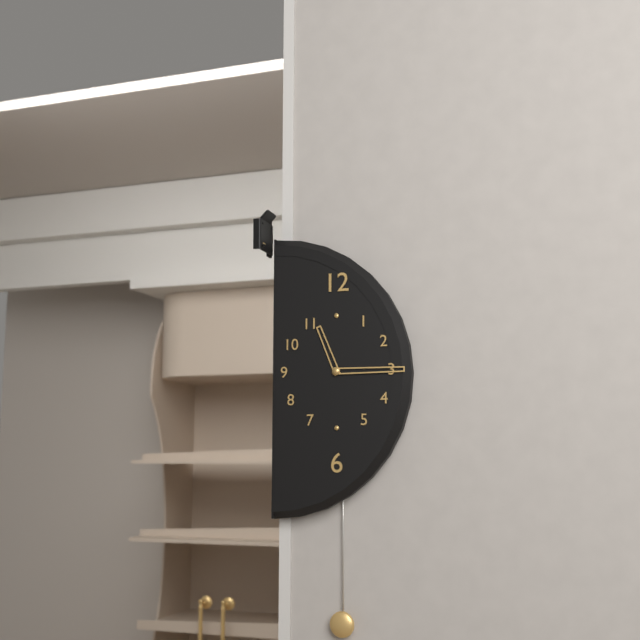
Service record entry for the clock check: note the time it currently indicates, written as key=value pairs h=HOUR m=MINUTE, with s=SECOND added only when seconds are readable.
h=11 m=15
